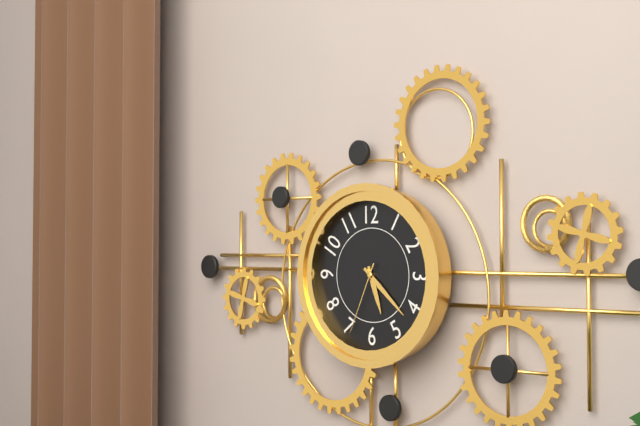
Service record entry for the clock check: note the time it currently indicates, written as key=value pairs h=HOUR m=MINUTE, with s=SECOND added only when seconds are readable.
h=5 m=22 s=34
